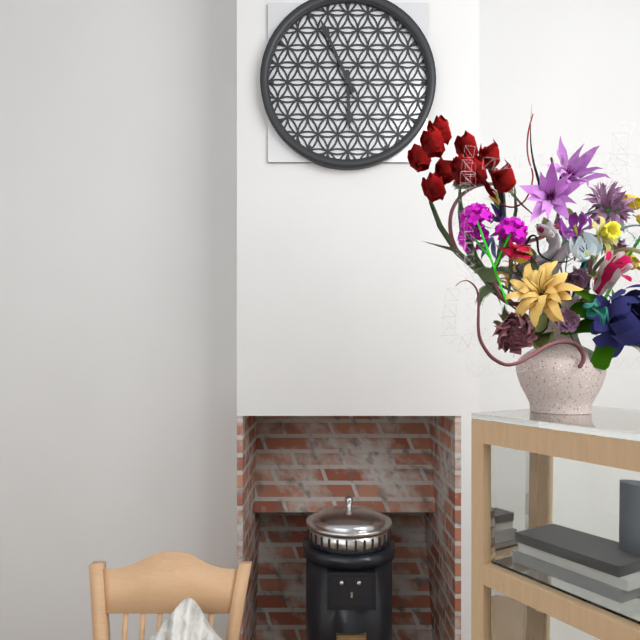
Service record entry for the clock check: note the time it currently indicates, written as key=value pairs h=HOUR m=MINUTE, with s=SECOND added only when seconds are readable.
h=5 m=56
